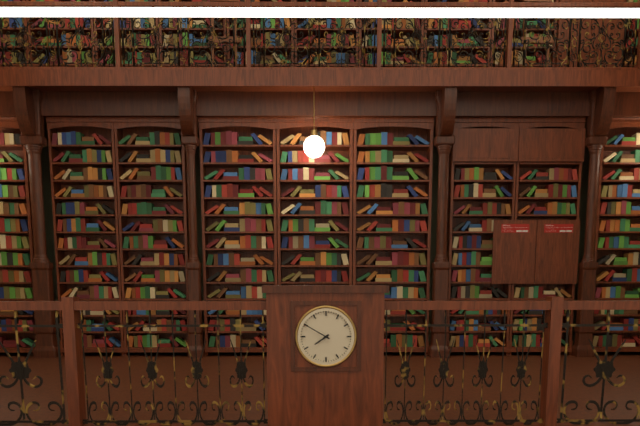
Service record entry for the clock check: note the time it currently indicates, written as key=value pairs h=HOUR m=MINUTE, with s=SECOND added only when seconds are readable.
h=7 m=50
